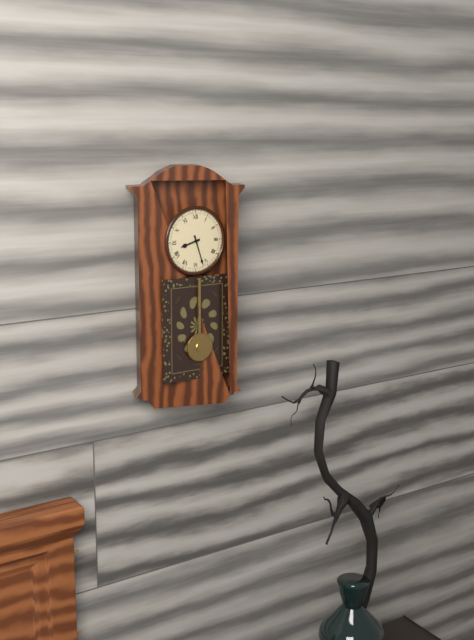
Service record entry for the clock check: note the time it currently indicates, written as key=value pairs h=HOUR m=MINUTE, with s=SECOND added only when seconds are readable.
h=8 m=27
